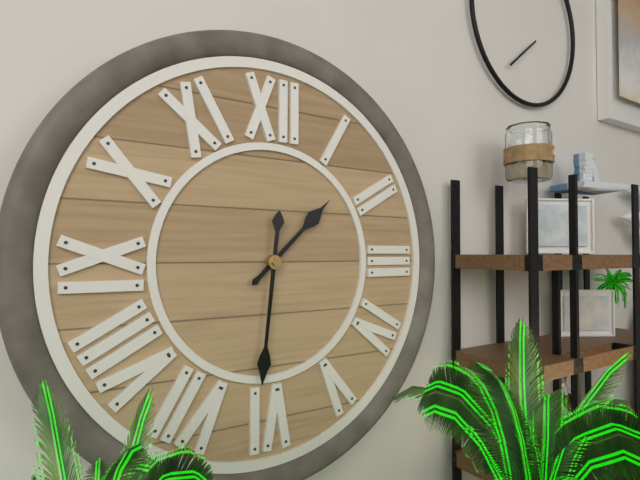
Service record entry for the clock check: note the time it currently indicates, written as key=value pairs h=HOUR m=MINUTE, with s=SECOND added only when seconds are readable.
h=1 m=31
